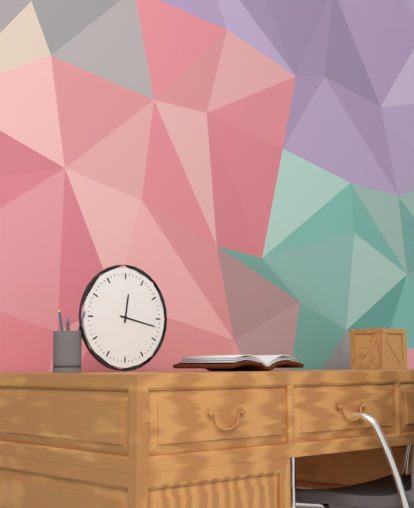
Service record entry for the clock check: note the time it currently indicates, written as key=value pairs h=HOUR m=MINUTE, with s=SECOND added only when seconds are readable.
h=12 m=17
